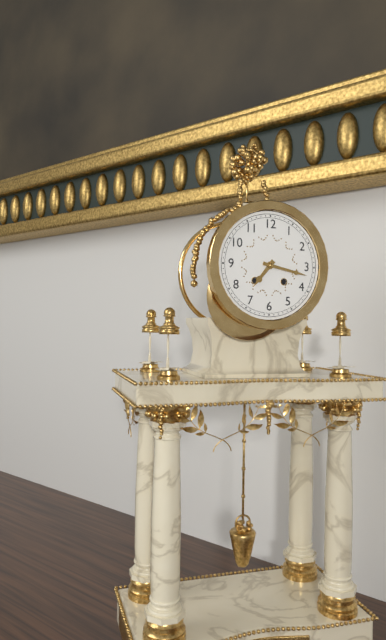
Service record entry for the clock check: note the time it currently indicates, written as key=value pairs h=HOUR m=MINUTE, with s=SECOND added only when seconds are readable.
h=7 m=17
